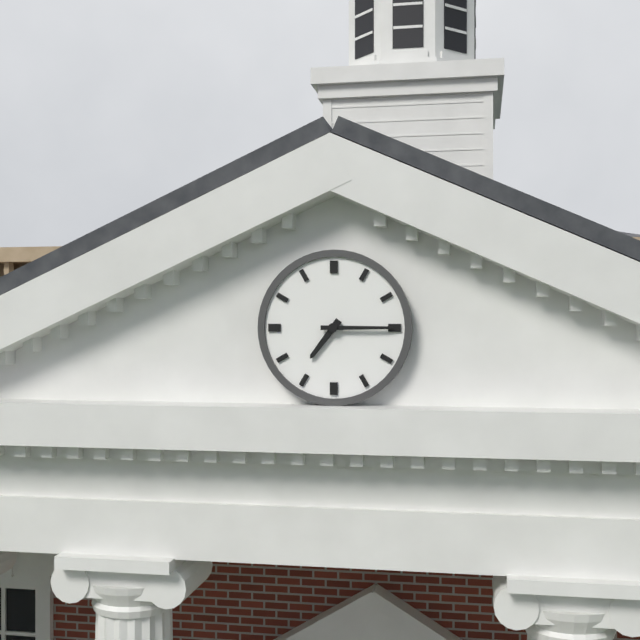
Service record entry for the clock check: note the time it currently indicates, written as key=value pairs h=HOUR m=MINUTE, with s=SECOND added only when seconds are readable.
h=7 m=15
